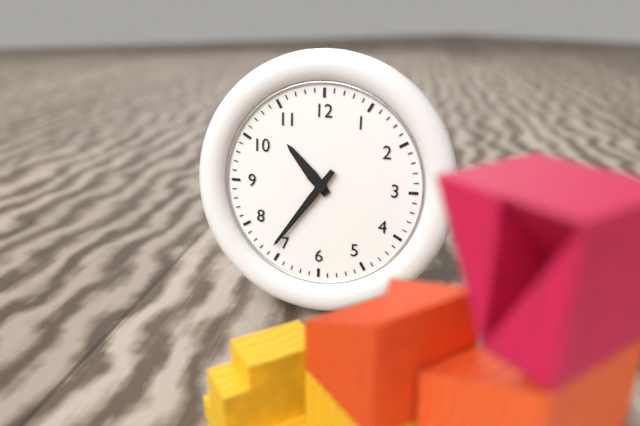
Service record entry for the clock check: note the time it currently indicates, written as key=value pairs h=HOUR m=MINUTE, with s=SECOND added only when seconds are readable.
h=10 m=36
